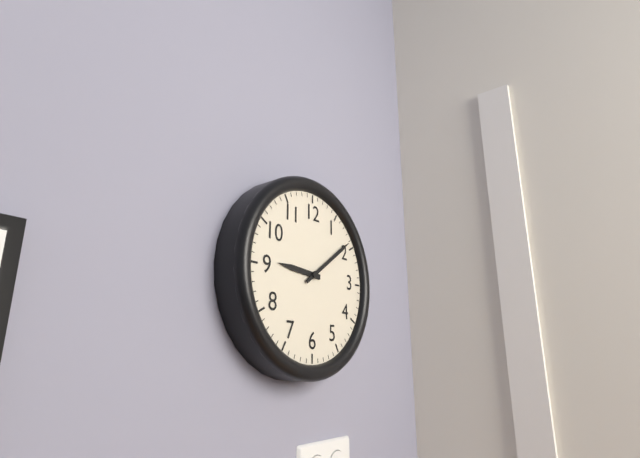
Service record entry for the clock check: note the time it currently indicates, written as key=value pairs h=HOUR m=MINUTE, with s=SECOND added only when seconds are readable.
h=9 m=9
